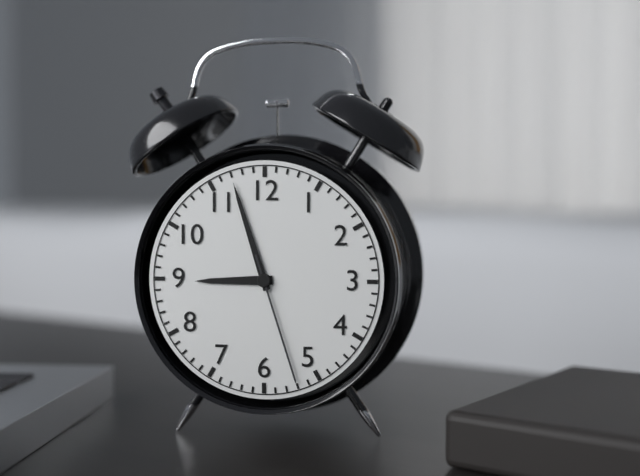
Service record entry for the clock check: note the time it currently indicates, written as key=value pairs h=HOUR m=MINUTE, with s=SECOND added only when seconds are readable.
h=8 m=57 s=27
